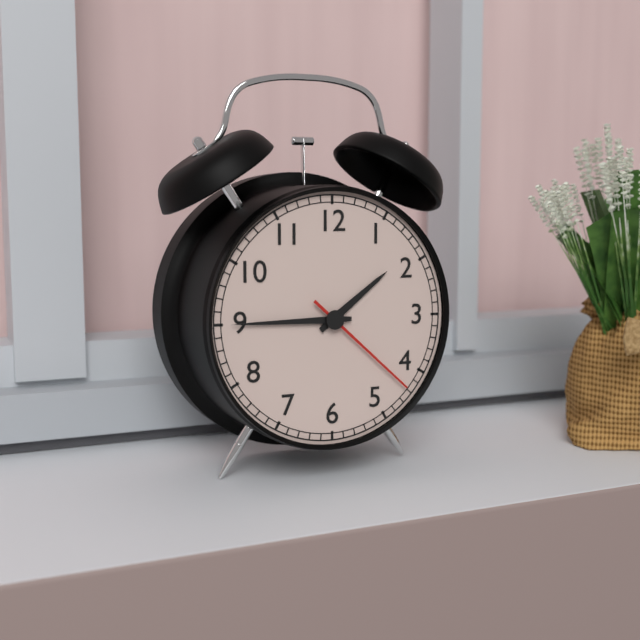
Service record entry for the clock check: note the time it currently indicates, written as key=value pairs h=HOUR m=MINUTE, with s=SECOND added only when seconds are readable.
h=1 m=45 s=22
